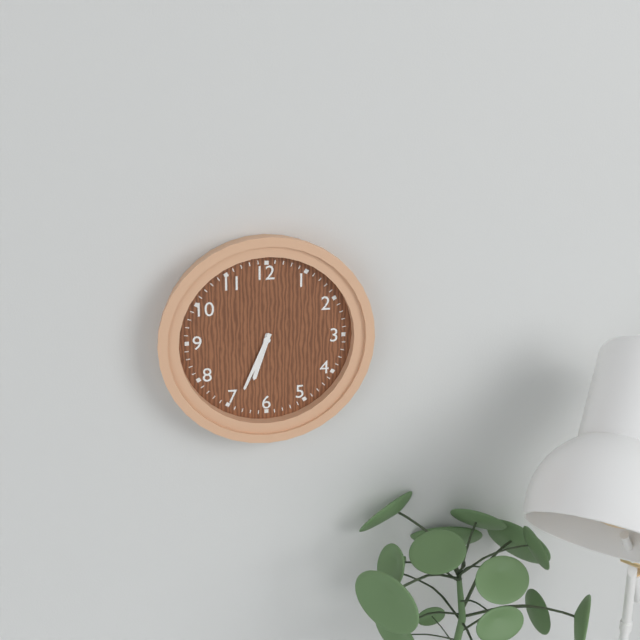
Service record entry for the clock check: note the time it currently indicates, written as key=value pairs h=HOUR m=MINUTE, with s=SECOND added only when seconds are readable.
h=6 m=34
